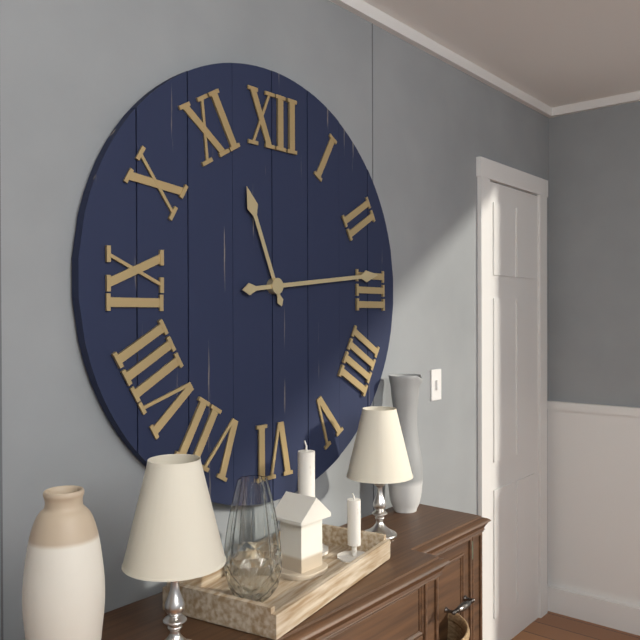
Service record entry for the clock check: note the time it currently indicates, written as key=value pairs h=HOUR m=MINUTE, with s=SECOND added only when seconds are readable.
h=11 m=14
